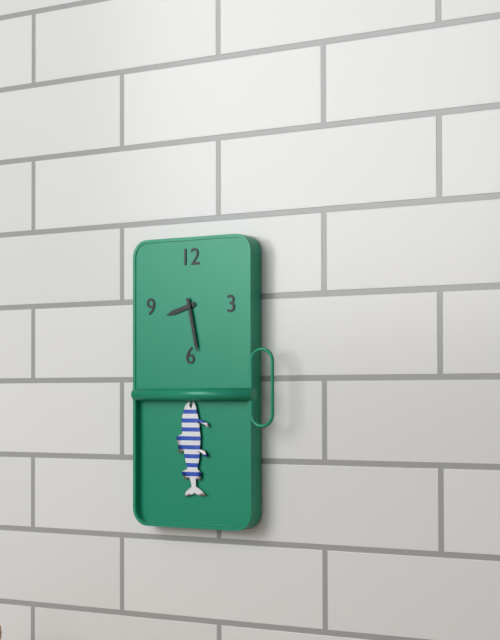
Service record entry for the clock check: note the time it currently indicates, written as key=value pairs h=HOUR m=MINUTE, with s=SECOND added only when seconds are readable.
h=8 m=28
